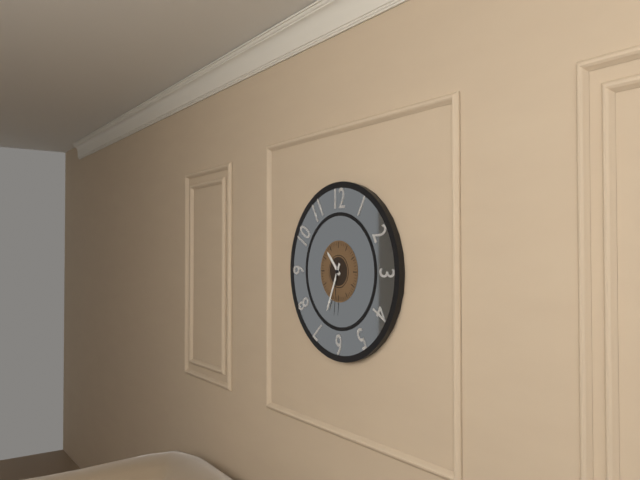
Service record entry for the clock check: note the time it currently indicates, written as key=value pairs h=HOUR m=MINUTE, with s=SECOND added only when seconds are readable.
h=10 m=34 s=31
